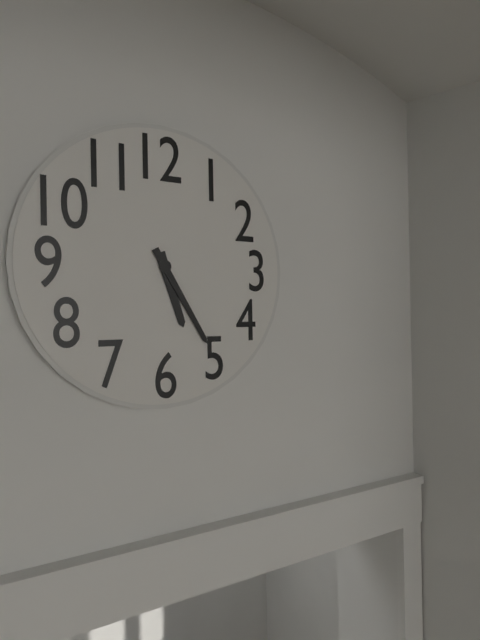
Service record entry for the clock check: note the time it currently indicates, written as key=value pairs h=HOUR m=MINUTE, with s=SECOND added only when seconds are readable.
h=5 m=25
